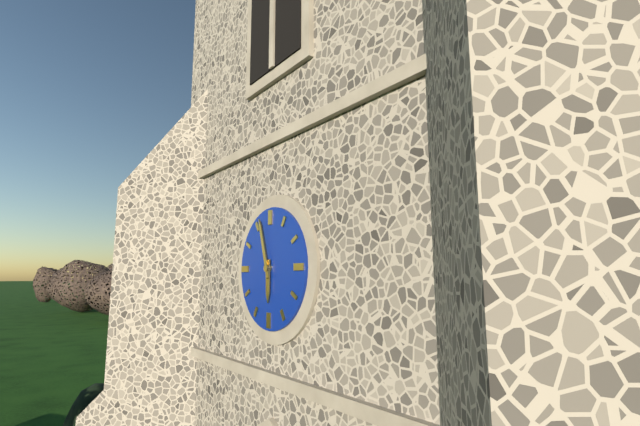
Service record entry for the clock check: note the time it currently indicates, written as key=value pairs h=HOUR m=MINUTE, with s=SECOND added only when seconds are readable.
h=5 m=57
